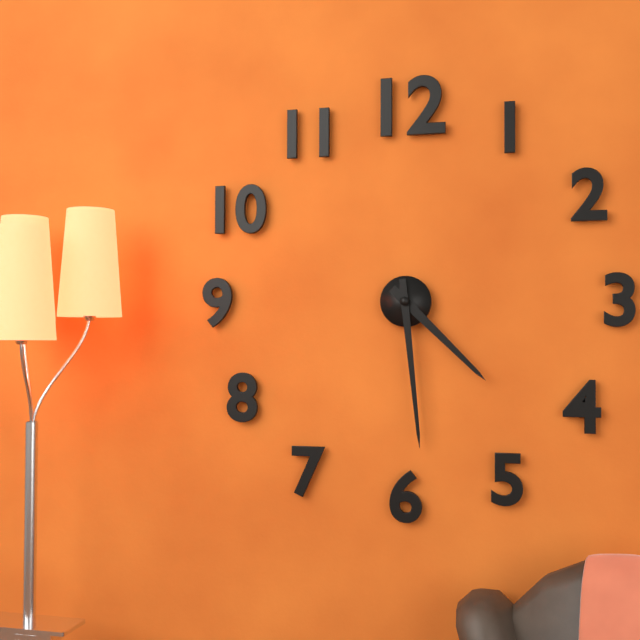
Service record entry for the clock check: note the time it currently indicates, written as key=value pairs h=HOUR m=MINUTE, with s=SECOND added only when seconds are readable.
h=4 m=29
